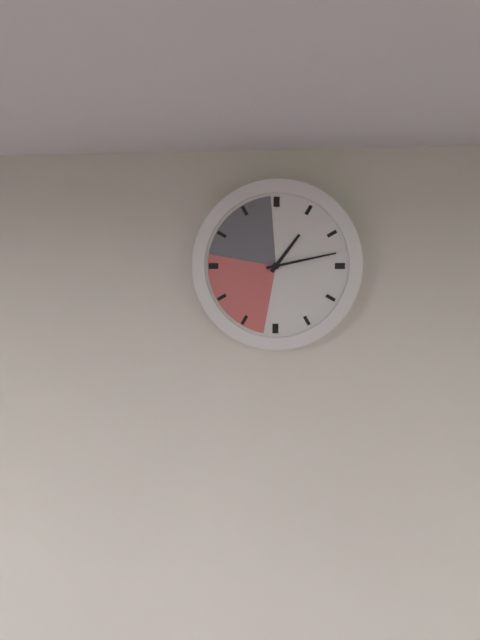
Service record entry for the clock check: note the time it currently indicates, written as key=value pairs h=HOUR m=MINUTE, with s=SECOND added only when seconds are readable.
h=1 m=13
